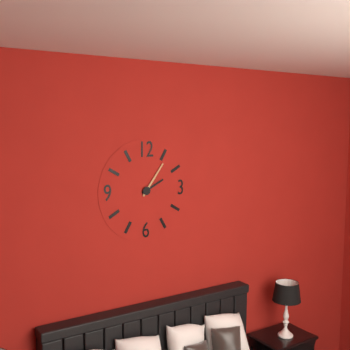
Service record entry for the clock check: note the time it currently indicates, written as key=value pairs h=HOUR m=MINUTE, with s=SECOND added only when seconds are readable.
h=2 m=6
